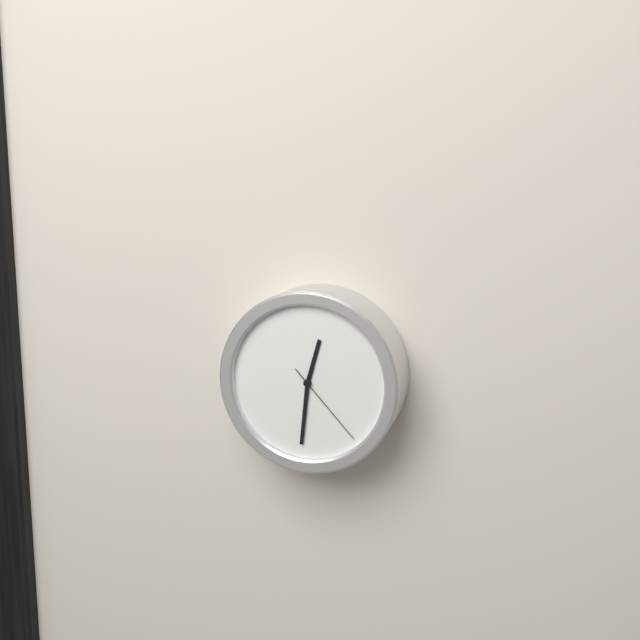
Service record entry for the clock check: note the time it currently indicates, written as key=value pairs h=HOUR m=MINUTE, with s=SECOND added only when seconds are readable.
h=12 m=31 s=23
